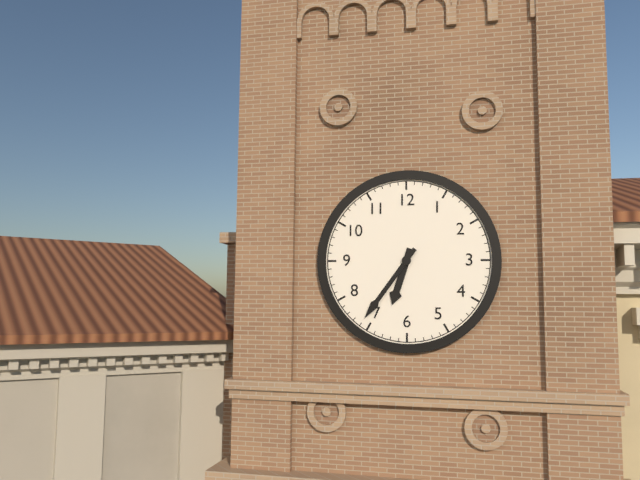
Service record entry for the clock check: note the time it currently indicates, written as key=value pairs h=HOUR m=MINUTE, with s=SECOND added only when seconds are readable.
h=6 m=36
